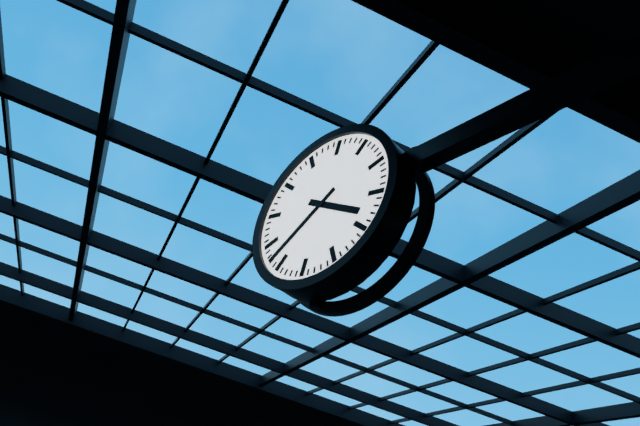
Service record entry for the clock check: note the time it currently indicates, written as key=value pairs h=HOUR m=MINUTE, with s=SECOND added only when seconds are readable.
h=3 m=37
